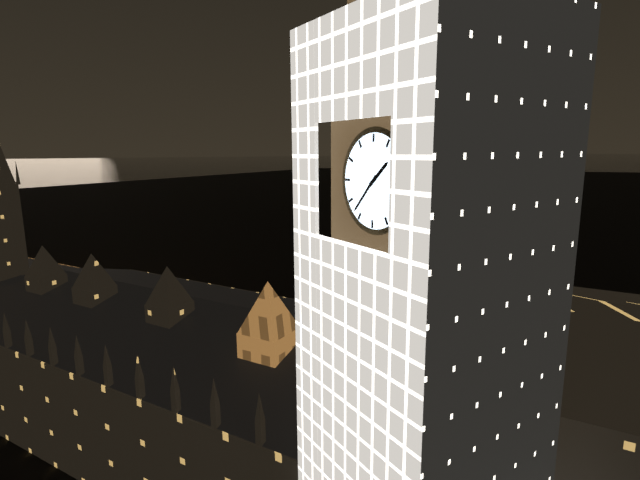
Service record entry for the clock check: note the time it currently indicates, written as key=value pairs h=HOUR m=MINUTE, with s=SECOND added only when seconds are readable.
h=1 m=37
